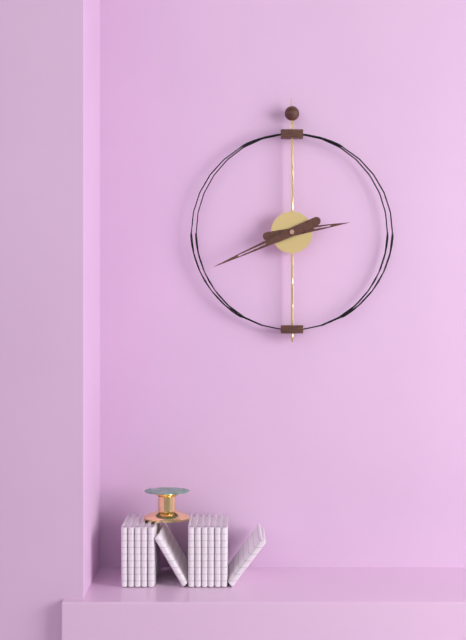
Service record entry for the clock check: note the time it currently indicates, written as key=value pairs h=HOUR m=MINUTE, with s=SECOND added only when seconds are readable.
h=2 m=41
